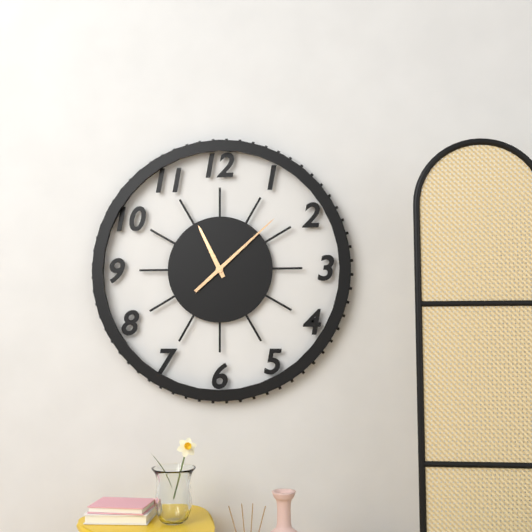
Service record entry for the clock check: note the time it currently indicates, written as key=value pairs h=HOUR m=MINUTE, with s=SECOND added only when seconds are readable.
h=11 m=8
